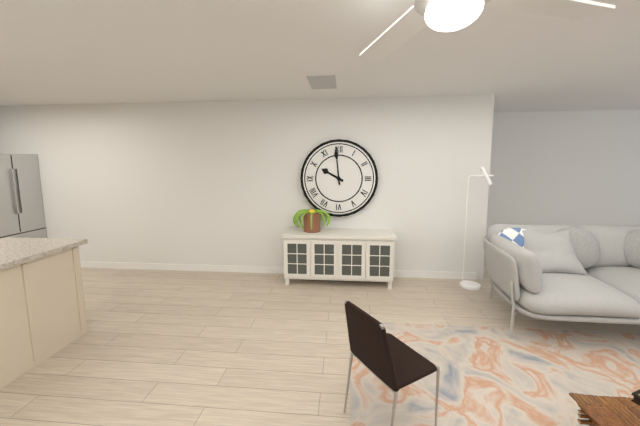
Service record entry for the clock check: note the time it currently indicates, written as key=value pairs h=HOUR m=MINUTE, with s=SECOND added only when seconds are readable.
h=9 m=59
